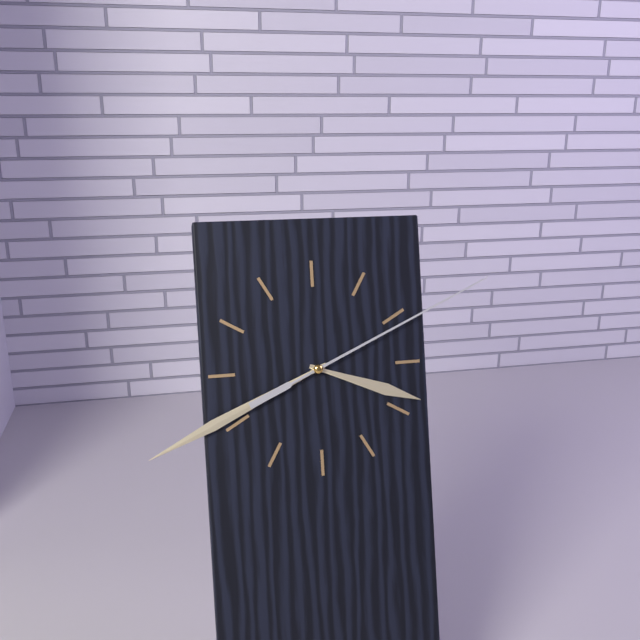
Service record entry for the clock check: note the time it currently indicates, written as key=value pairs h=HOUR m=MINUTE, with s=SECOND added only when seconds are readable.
h=3 m=41 s=11
